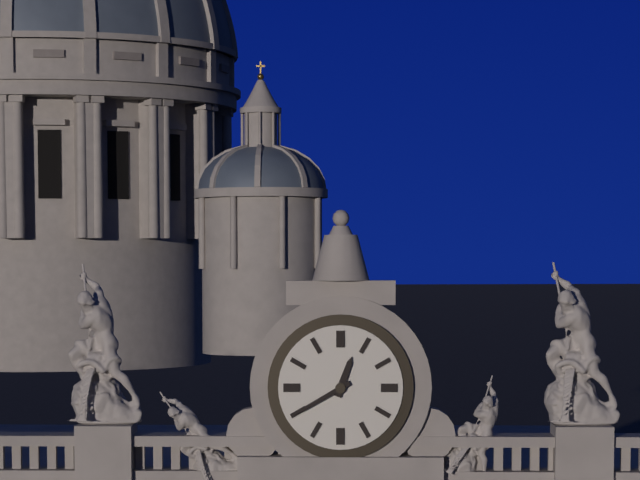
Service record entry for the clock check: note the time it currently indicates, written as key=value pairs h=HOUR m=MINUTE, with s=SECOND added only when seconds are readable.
h=12 m=40
